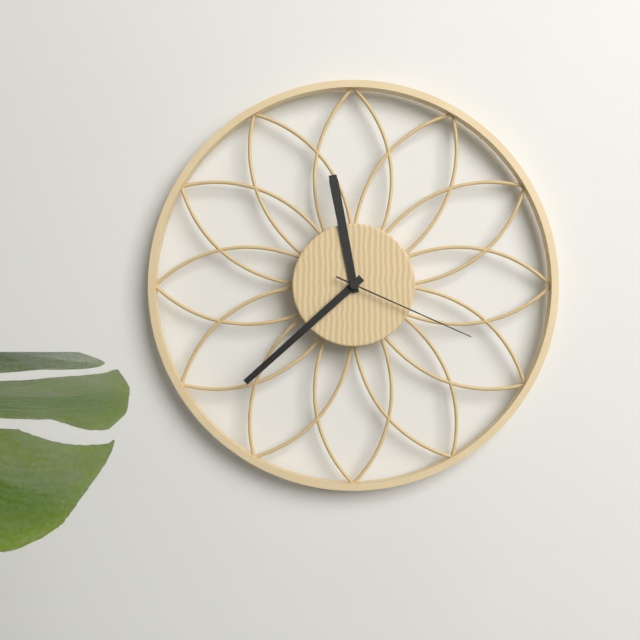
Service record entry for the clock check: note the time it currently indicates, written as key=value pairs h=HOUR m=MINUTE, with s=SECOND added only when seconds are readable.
h=11 m=38 s=19
